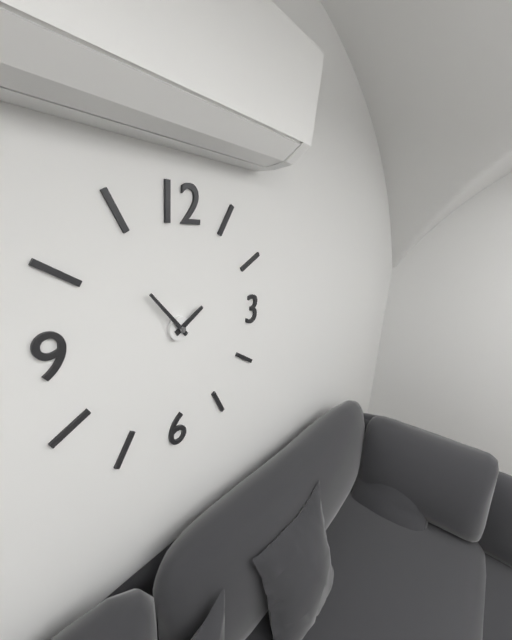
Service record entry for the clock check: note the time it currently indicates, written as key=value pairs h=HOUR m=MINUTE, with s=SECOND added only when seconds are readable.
h=1 m=53
